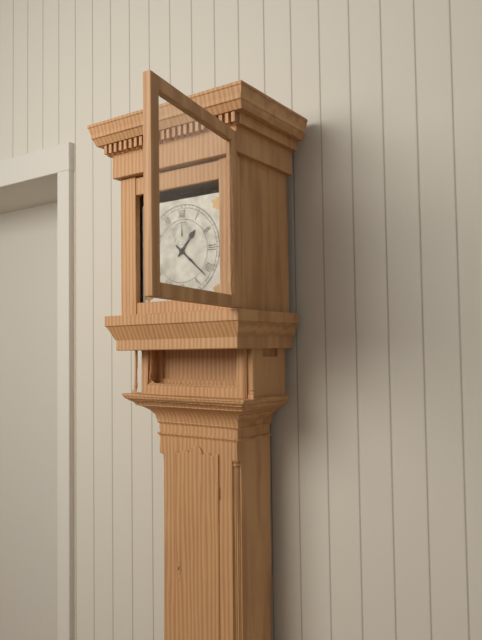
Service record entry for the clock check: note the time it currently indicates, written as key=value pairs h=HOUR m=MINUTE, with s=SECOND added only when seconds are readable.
h=1 m=22
